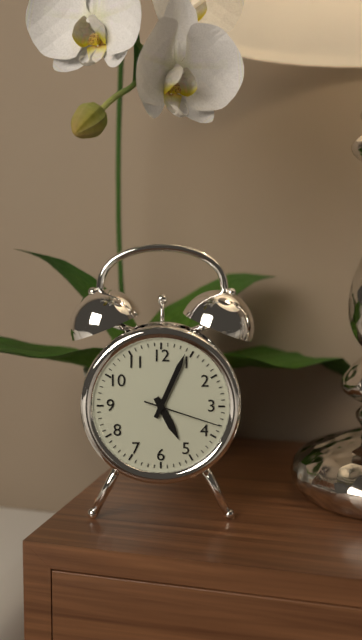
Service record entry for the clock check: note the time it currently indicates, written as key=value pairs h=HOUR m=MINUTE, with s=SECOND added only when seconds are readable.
h=5 m=4 s=18
